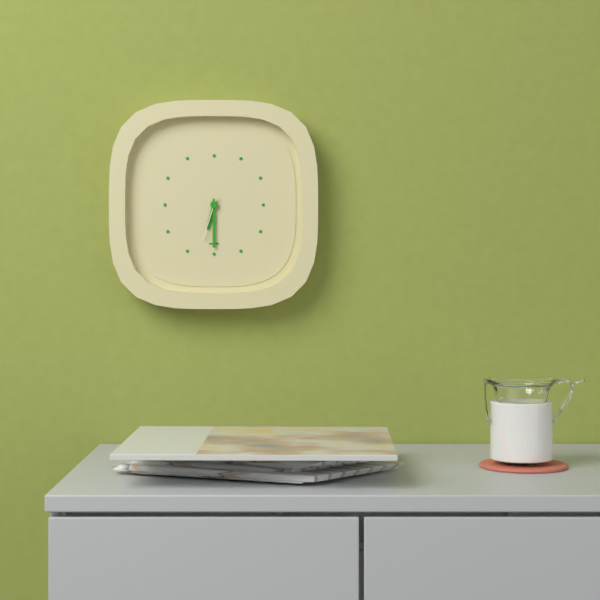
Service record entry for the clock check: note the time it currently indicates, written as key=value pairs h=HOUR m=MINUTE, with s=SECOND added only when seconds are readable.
h=6 m=30
